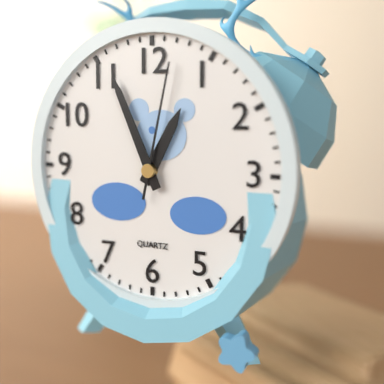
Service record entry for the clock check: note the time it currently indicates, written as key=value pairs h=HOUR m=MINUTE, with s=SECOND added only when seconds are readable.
h=12 m=56 s=2
